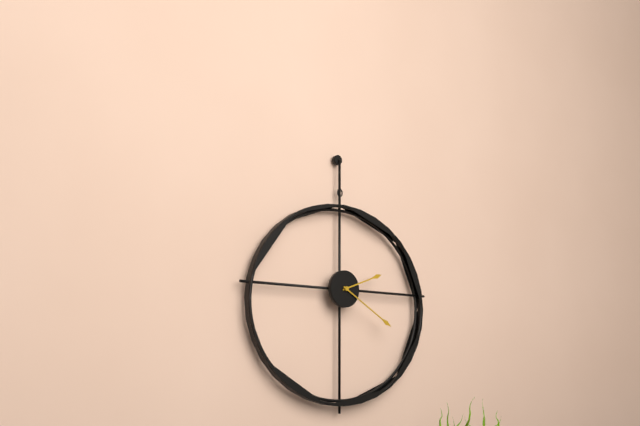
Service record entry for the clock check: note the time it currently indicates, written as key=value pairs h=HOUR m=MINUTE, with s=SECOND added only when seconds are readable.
h=2 m=20
